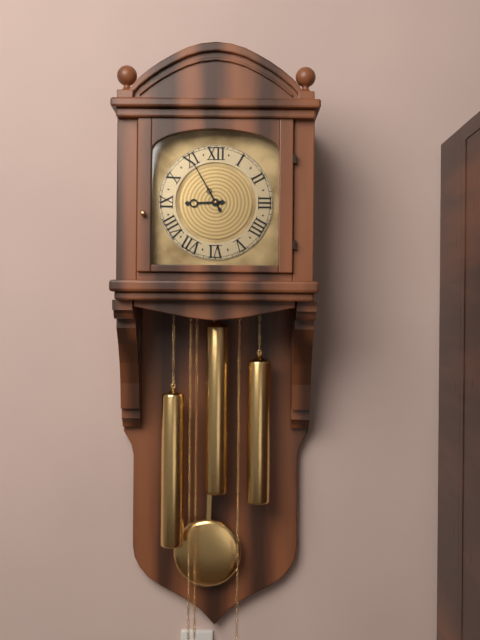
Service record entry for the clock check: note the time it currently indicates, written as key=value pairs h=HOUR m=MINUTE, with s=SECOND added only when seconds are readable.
h=8 m=55
